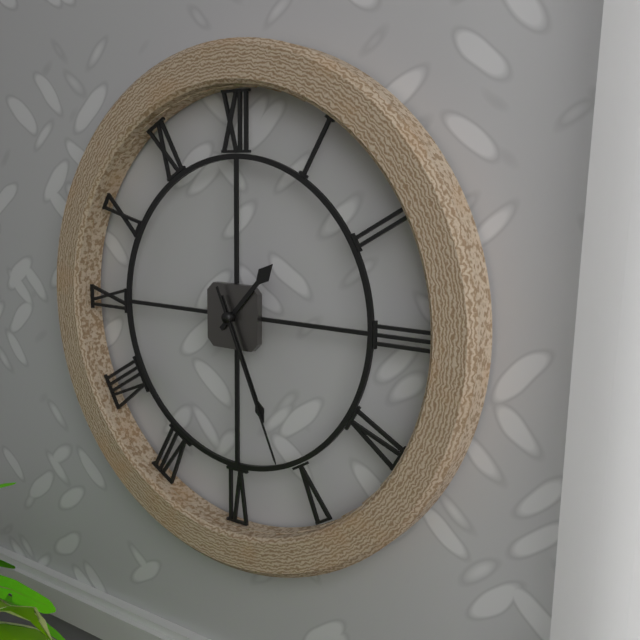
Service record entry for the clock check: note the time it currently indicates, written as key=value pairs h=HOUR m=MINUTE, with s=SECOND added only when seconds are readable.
h=1 m=26 s=26
